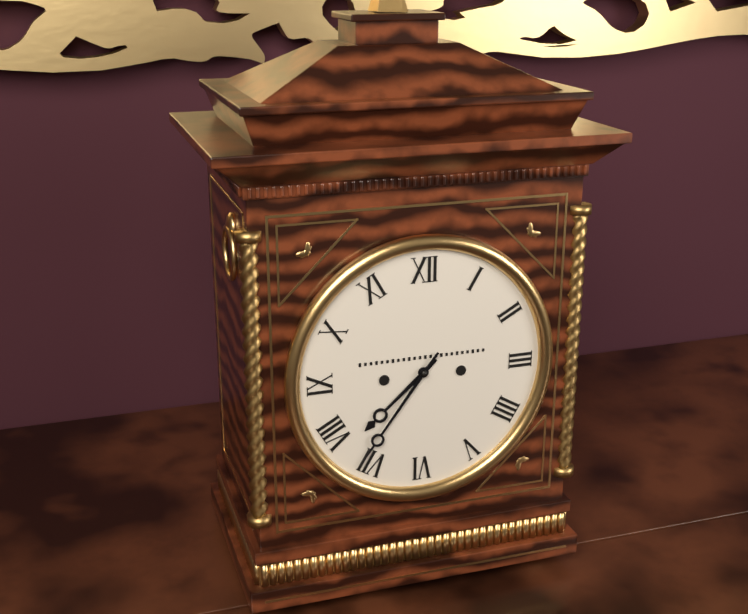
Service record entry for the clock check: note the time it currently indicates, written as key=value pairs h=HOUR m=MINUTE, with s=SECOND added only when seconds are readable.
h=7 m=36
